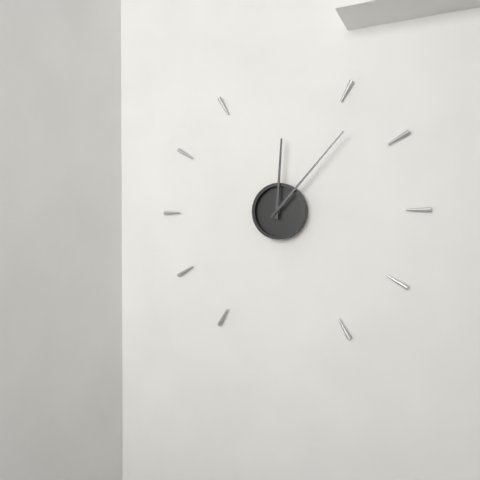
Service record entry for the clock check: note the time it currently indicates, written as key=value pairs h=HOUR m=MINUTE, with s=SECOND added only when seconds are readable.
h=12 m=7
